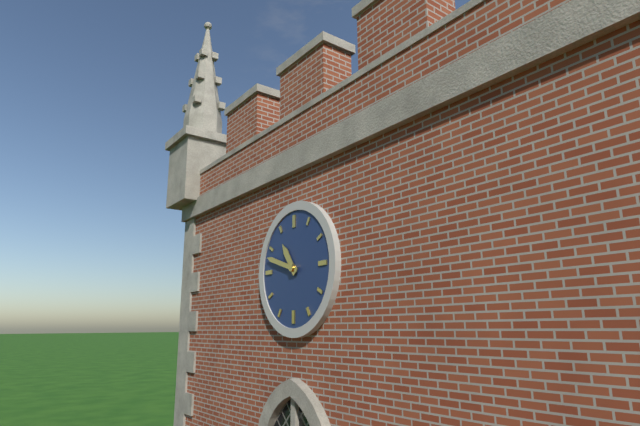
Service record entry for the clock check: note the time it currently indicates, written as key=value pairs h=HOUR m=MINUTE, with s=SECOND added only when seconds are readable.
h=10 m=48
